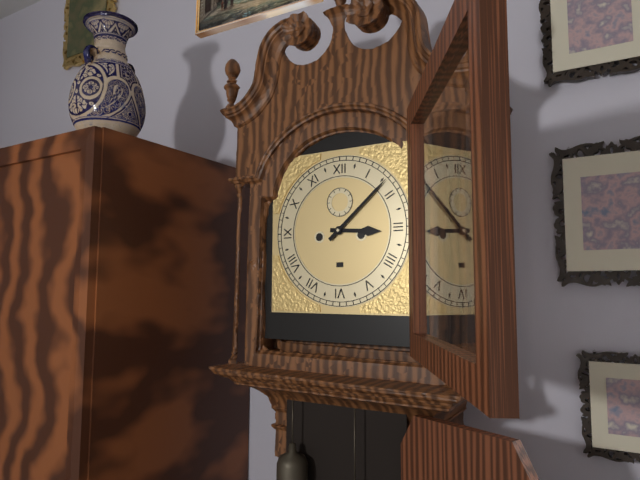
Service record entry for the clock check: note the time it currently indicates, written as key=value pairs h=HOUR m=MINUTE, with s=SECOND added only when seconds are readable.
h=3 m=8
